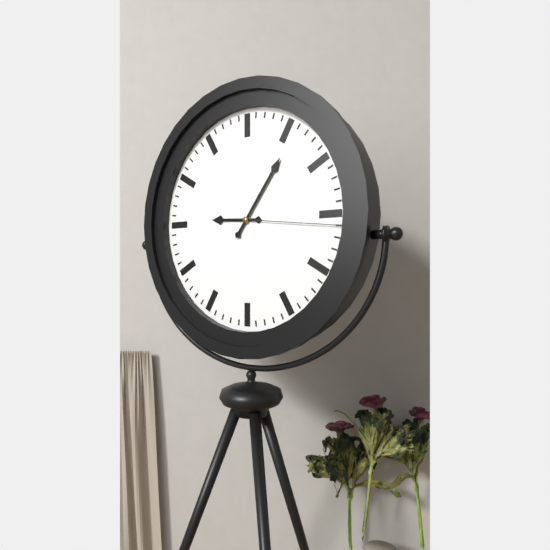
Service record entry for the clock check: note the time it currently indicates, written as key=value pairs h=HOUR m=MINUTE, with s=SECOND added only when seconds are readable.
h=9 m=6 s=16
